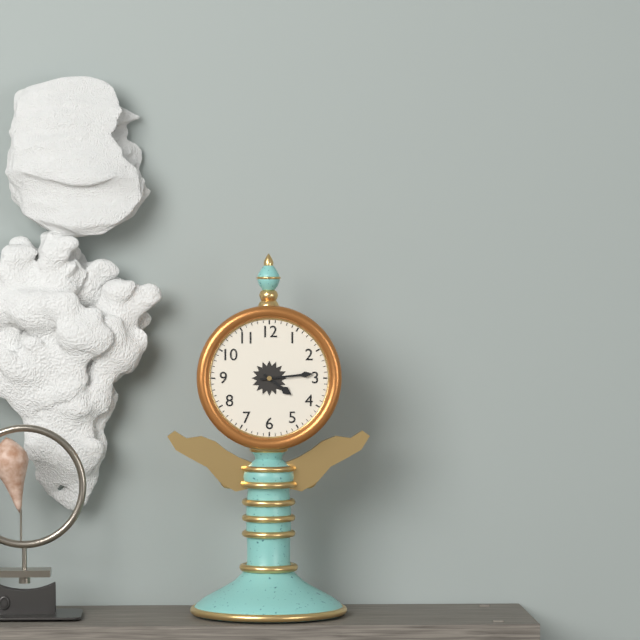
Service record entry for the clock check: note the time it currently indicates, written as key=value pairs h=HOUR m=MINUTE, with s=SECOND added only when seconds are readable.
h=4 m=14
